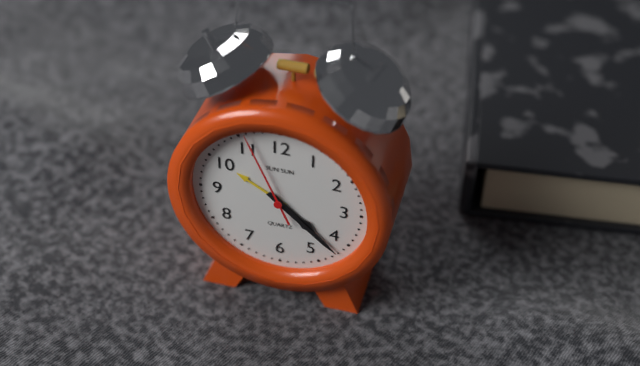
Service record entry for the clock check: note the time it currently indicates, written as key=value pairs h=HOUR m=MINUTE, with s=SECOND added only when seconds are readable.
h=4 m=22 s=56
